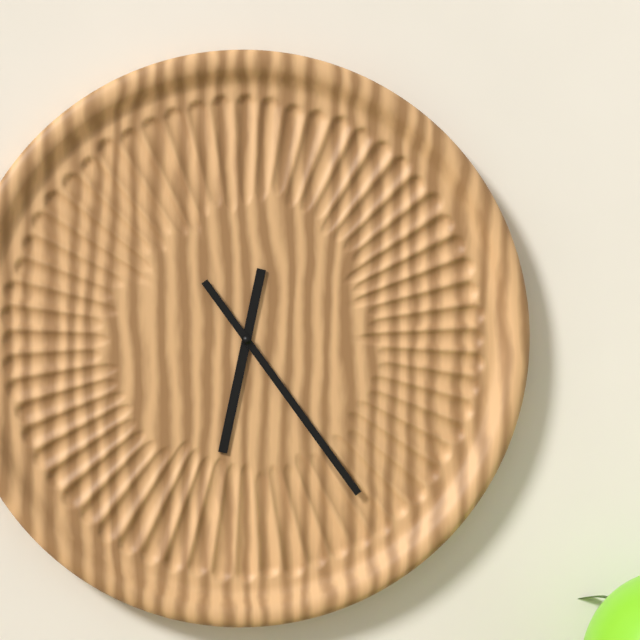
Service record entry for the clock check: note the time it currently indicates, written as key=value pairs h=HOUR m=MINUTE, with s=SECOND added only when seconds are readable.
h=6 m=24
